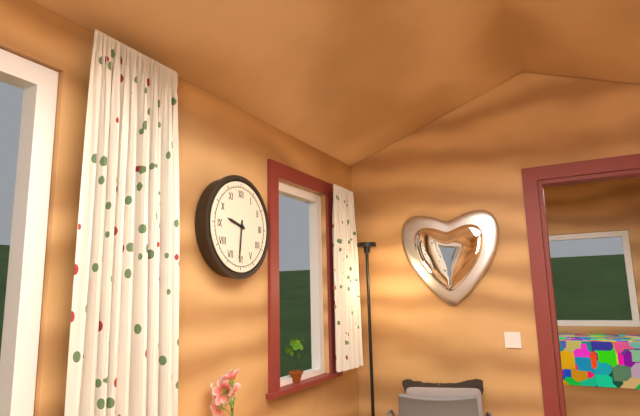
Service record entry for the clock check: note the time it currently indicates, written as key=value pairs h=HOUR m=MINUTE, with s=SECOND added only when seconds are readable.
h=9 m=31
